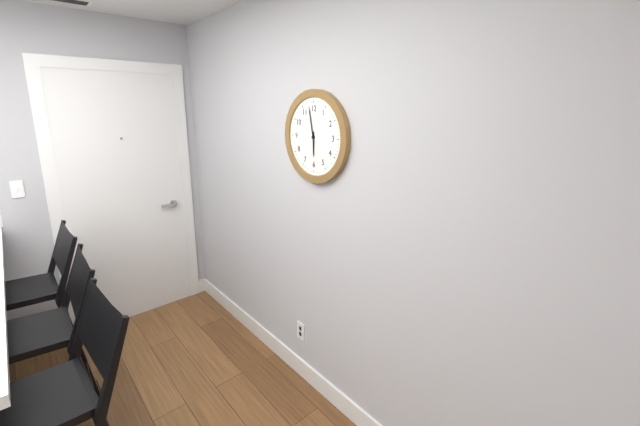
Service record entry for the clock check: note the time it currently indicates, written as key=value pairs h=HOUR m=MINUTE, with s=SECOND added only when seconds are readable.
h=5 m=58
